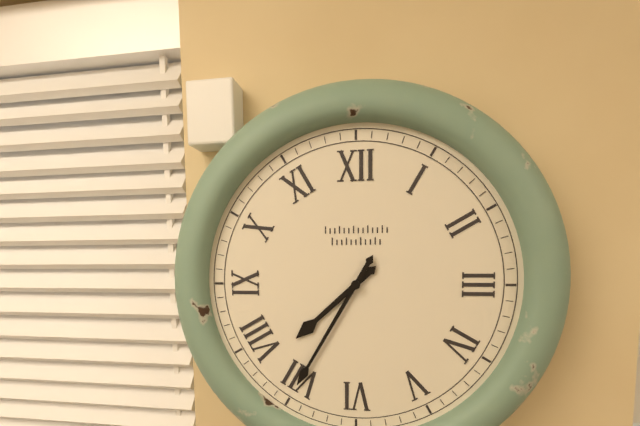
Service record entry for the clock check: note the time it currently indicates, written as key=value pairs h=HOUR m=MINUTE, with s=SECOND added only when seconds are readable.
h=7 m=35
